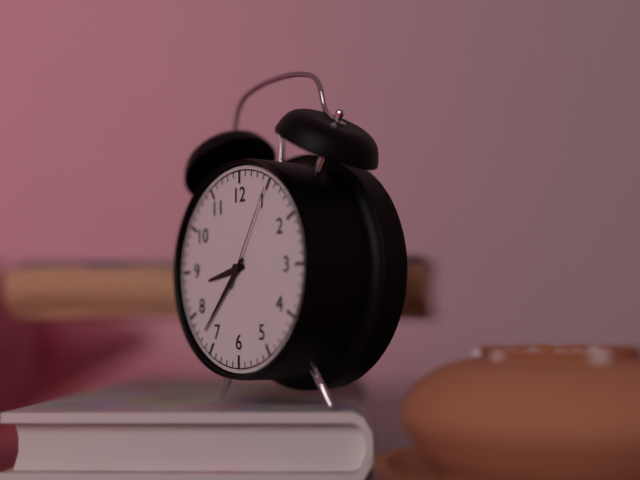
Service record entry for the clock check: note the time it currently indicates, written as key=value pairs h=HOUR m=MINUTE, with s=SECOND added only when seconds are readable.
h=8 m=37 s=5
